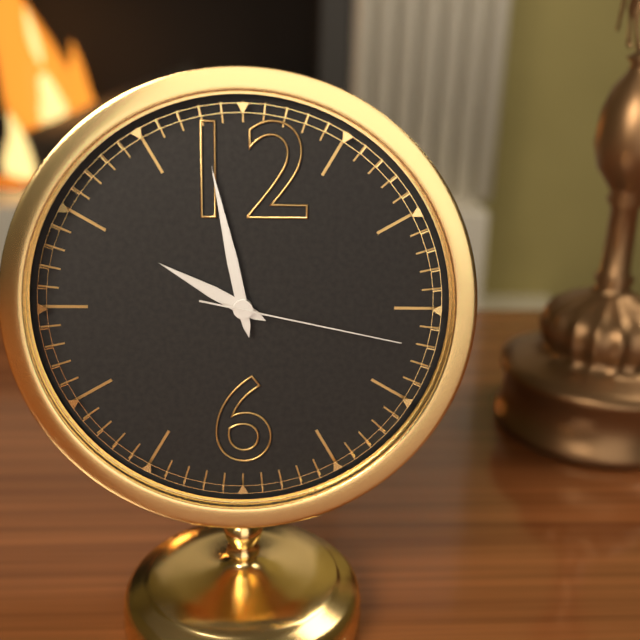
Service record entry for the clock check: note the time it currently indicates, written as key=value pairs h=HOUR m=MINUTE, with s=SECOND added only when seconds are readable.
h=9 m=58 s=17
